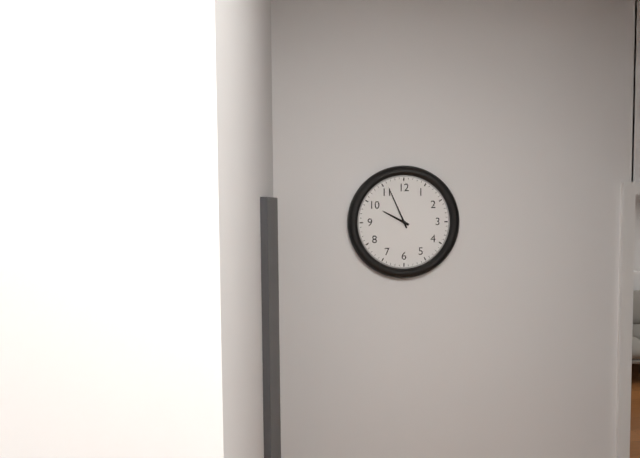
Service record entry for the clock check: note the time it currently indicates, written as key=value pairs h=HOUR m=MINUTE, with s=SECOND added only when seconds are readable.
h=9 m=56
